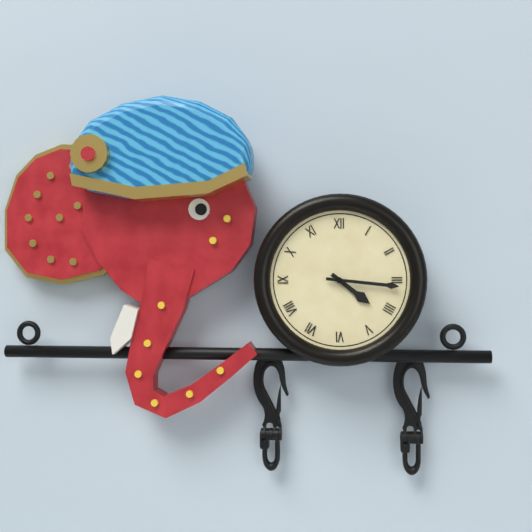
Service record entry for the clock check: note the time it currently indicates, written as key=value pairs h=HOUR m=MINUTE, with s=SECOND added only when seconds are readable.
h=4 m=16
